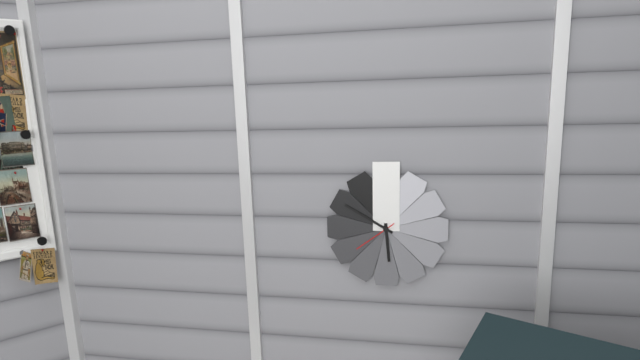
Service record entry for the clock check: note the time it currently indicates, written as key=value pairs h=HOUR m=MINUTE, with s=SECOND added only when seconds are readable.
h=5 m=50
